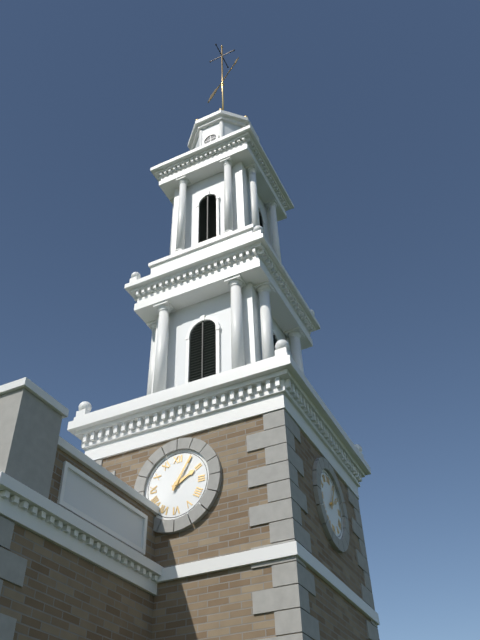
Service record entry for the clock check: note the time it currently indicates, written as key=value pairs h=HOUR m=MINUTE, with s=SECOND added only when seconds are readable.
h=2 m=5
